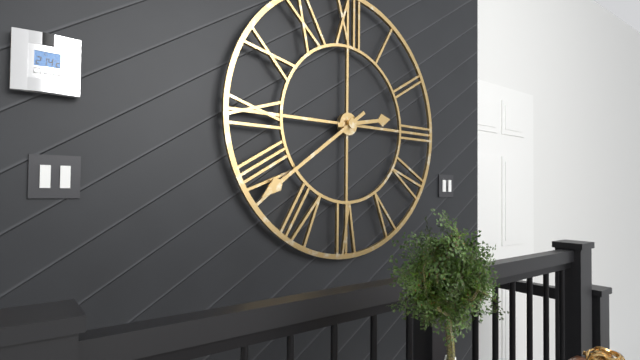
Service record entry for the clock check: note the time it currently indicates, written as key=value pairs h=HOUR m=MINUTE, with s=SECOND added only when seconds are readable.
h=2 m=39
